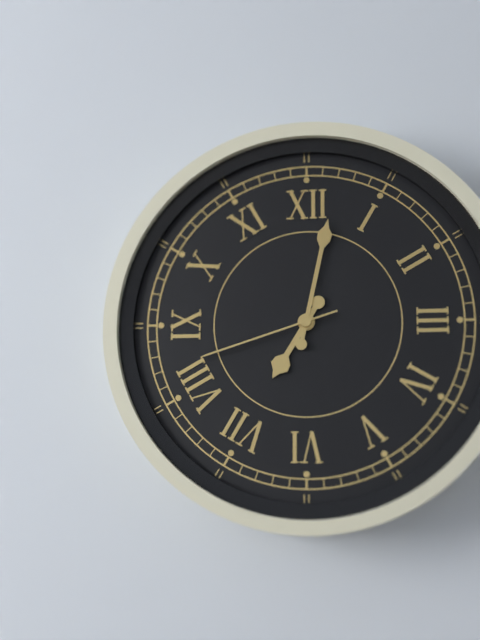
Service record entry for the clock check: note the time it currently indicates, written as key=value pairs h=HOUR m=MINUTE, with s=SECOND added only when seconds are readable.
h=7 m=2 s=42
